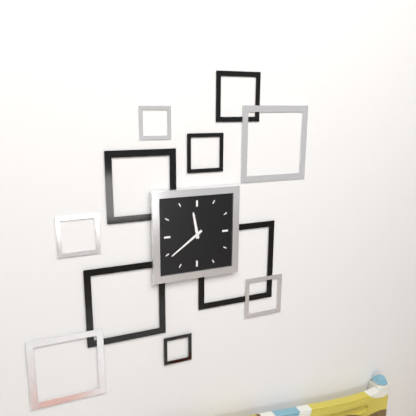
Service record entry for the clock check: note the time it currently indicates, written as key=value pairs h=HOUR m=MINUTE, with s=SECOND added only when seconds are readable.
h=11 m=39
